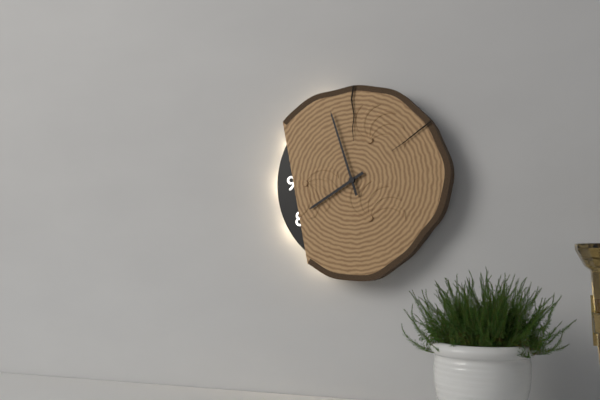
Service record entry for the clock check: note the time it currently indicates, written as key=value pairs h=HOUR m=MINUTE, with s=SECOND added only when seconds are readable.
h=7 m=57
